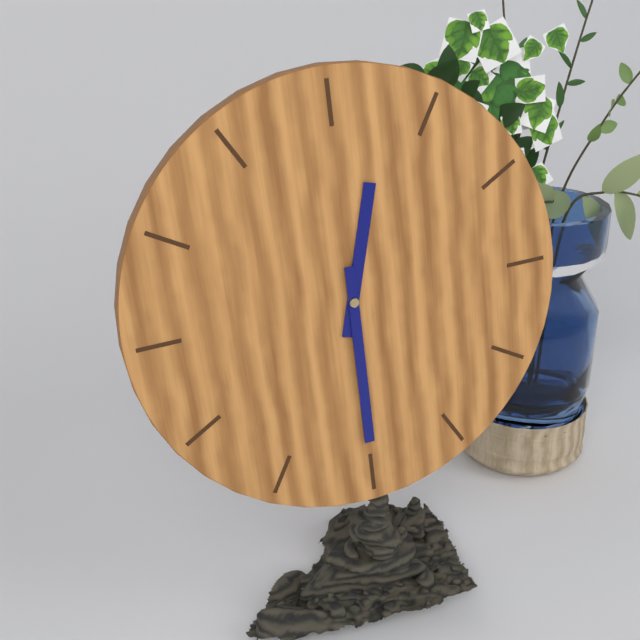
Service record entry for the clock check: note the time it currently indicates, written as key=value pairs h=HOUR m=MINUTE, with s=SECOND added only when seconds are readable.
h=12 m=30
